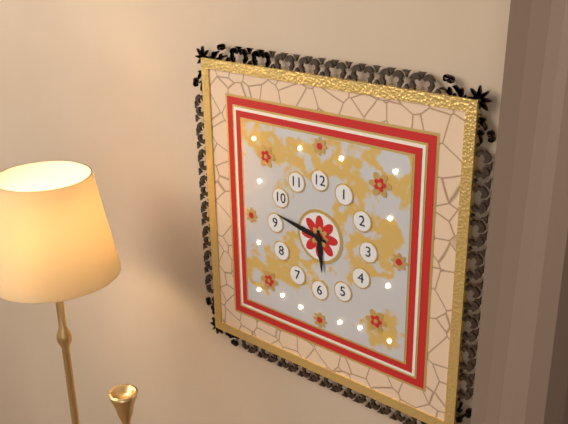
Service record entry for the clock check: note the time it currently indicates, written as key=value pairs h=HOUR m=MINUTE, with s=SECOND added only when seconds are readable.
h=5 m=47
